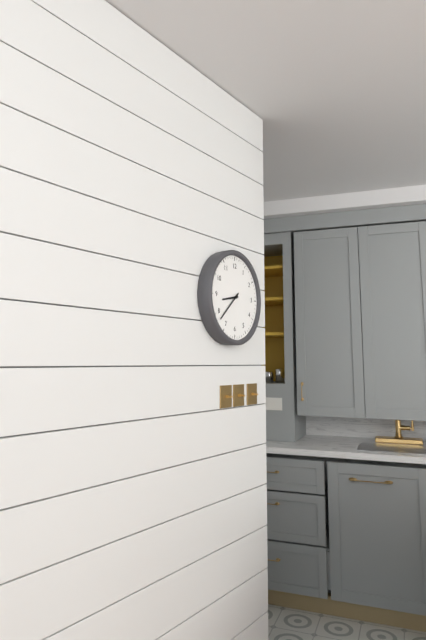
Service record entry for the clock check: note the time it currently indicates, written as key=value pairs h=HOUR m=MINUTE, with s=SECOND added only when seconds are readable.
h=8 m=38
